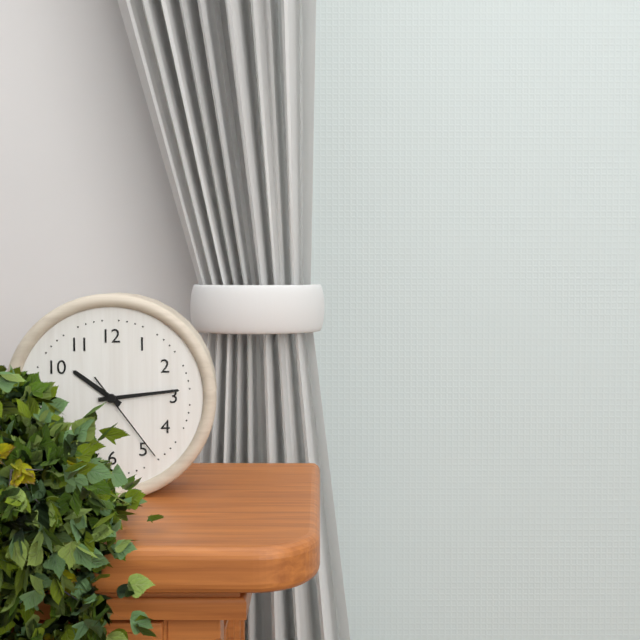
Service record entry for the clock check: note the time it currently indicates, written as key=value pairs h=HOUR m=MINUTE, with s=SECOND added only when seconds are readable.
h=10 m=14 s=24
